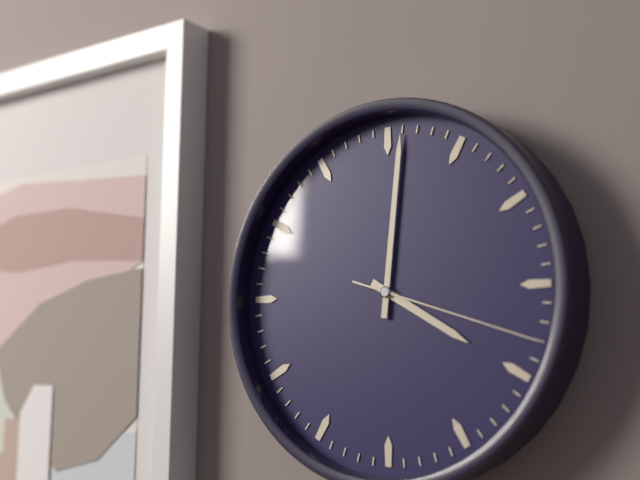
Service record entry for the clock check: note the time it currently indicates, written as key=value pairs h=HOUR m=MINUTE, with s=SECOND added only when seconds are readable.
h=4 m=1 s=18
